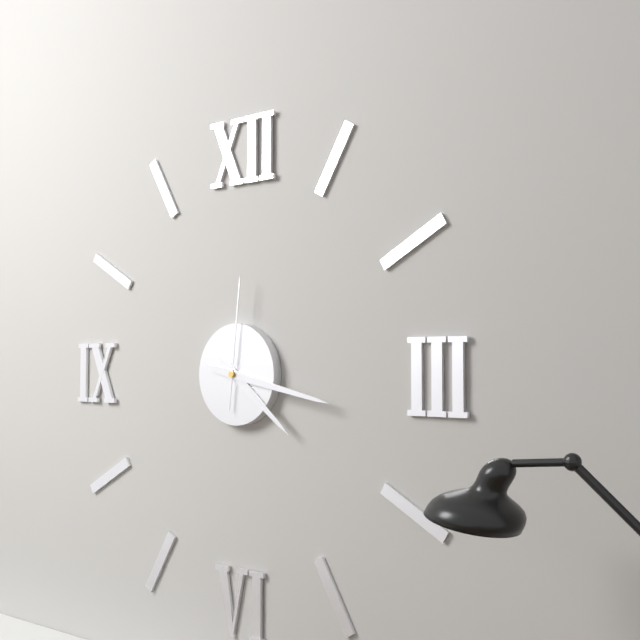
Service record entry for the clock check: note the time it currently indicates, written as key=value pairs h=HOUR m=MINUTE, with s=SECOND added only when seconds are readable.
h=4 m=17 s=1
